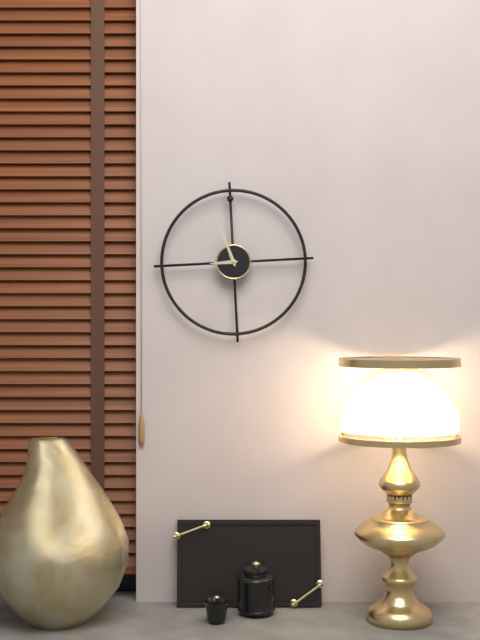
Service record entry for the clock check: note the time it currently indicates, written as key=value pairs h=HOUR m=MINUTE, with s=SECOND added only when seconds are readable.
h=8 m=57
